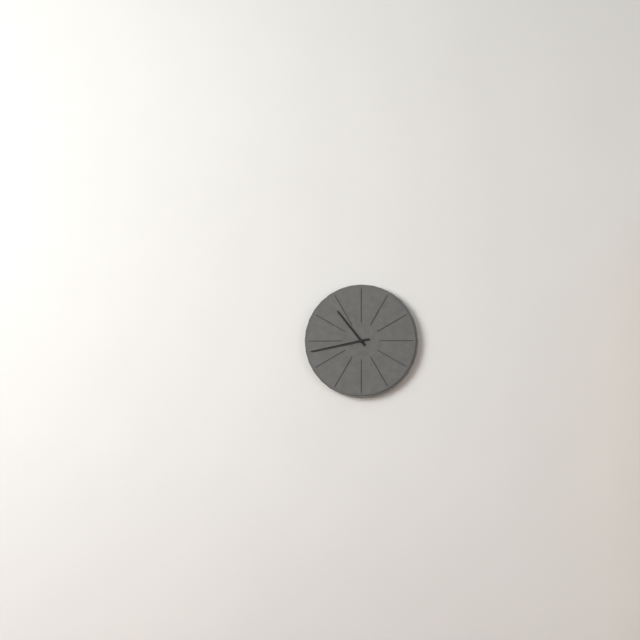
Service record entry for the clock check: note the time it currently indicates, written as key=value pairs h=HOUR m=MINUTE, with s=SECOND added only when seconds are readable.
h=10 m=43
